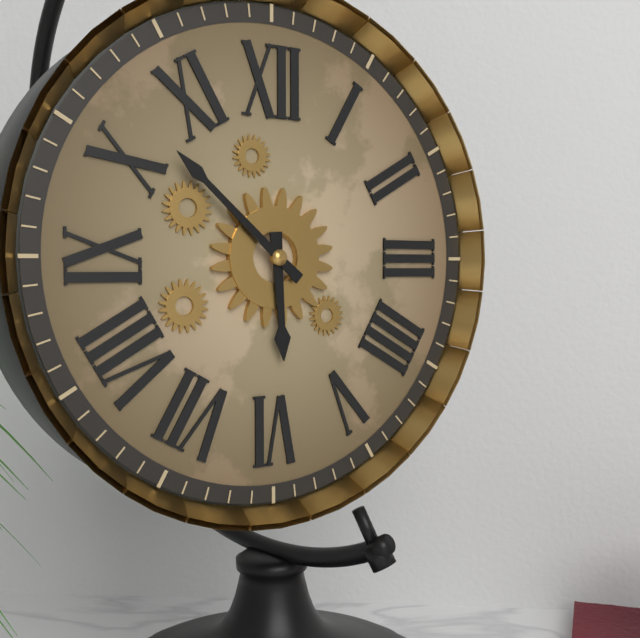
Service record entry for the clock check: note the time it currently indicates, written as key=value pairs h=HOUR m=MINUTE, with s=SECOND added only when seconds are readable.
h=5 m=52
